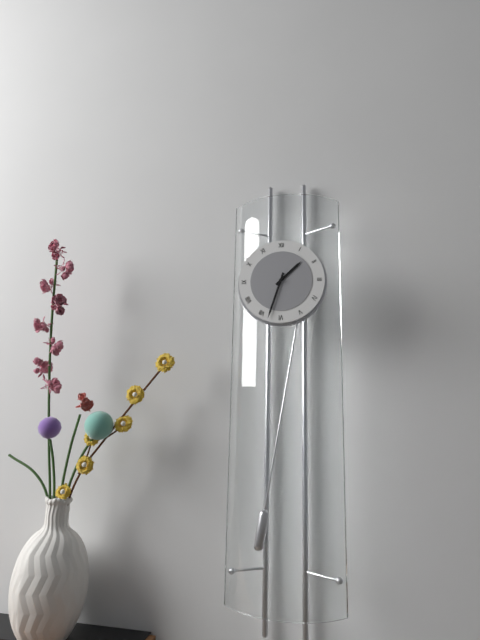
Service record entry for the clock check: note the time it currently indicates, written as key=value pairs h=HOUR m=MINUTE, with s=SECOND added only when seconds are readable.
h=1 m=33
